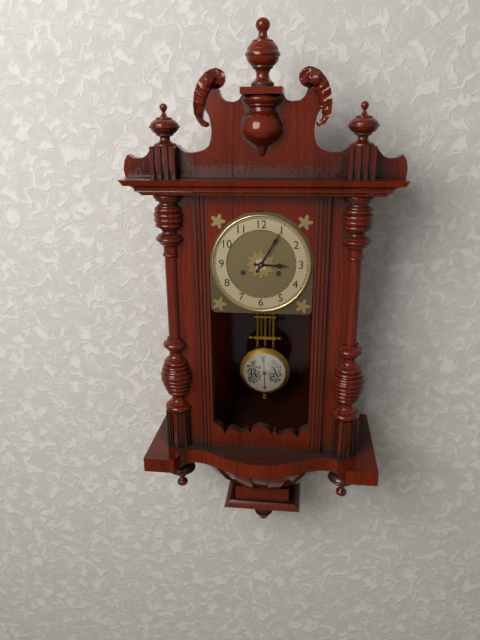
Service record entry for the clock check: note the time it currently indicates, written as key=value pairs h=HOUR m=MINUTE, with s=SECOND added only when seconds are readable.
h=3 m=5
